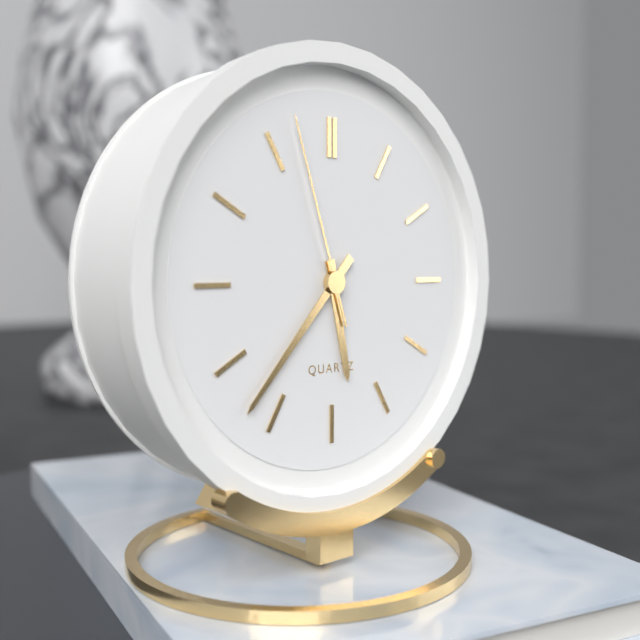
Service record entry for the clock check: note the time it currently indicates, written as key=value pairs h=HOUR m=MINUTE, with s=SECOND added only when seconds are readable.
h=5 m=37 s=57
